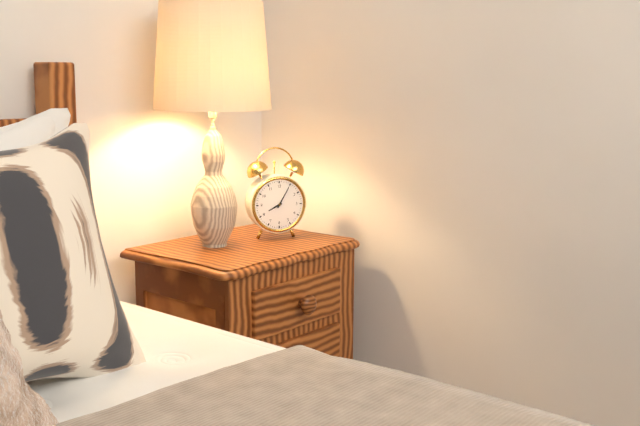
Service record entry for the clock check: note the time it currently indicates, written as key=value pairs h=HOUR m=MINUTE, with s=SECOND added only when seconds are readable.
h=8 m=5
